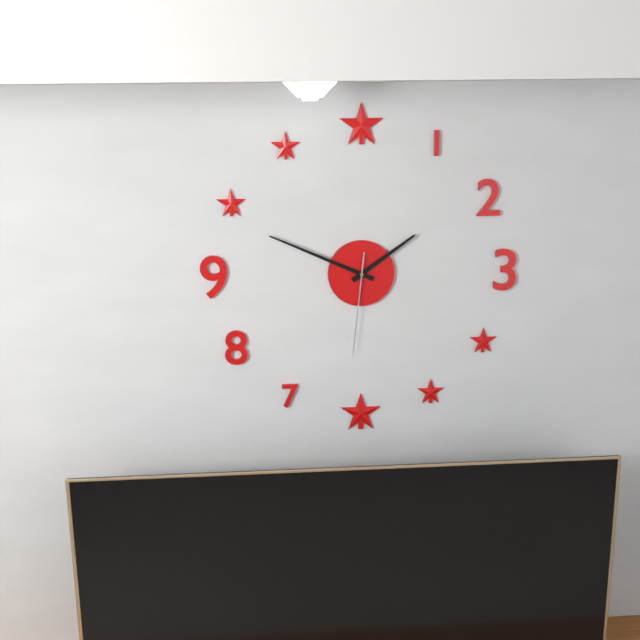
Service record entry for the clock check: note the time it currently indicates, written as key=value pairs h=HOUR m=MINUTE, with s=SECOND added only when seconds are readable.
h=1 m=49 s=31
